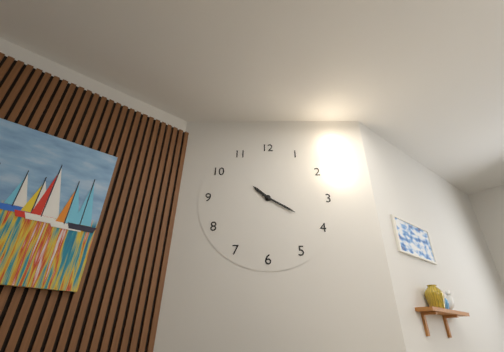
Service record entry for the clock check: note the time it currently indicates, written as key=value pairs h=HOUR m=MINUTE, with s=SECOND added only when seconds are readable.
h=10 m=20
